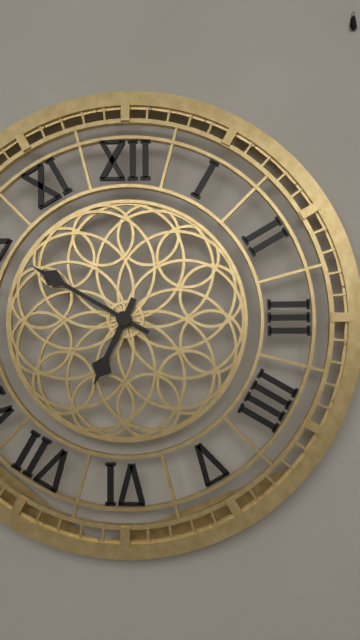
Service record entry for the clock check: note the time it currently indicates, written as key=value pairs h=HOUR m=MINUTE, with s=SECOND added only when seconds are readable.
h=6 m=50
